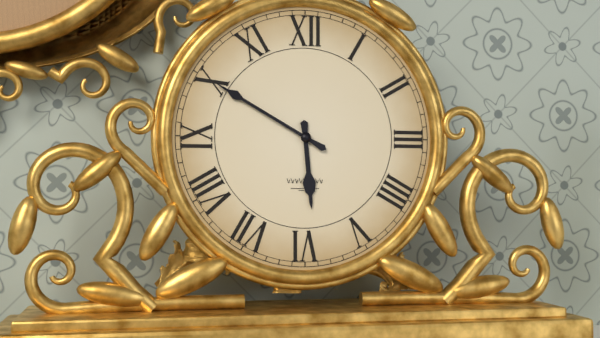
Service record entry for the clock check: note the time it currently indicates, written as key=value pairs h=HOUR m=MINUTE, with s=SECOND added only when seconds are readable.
h=5 m=50
